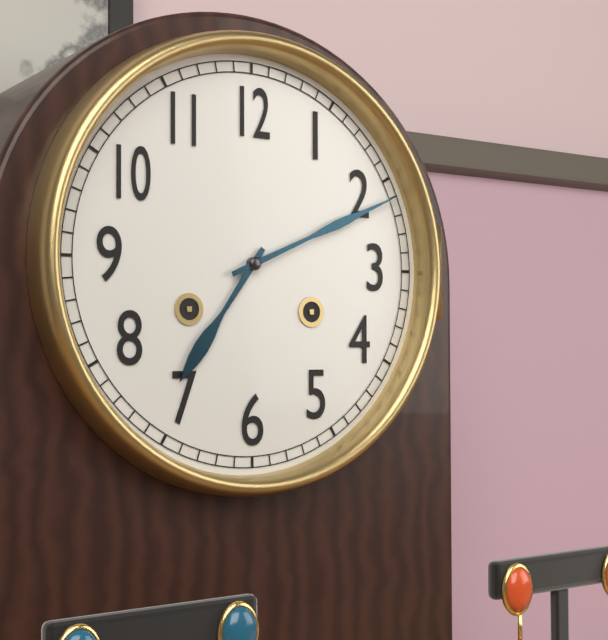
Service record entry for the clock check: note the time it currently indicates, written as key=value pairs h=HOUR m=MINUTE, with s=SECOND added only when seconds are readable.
h=7 m=11
